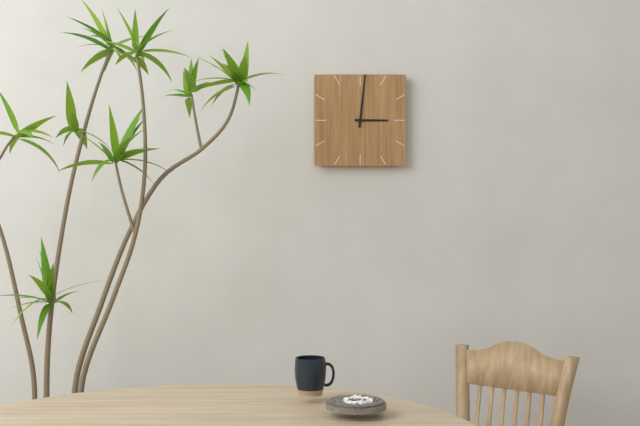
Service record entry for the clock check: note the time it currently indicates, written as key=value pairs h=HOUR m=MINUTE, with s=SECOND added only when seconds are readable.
h=3 m=1
